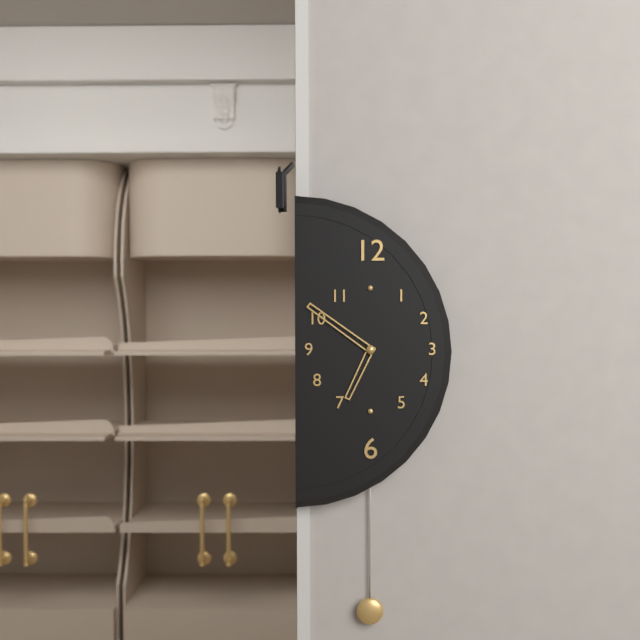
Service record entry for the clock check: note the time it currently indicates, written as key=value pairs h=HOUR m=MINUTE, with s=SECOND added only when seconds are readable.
h=6 m=51
